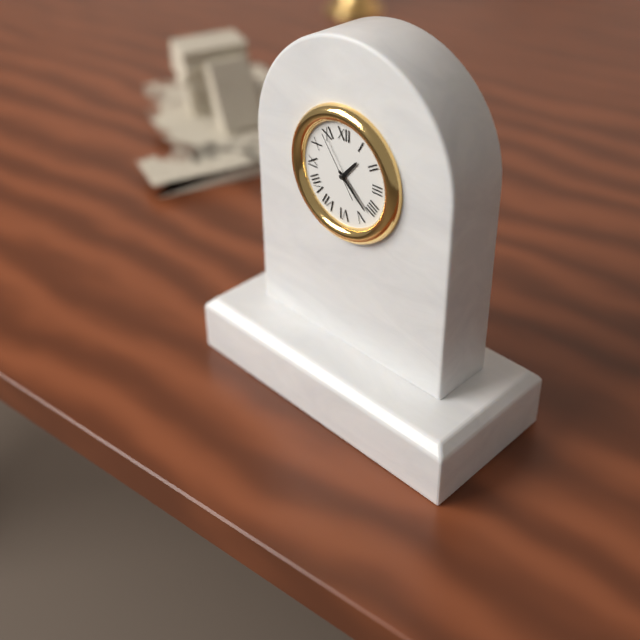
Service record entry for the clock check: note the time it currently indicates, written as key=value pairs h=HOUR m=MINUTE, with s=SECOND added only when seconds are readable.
h=1 m=22 s=54
